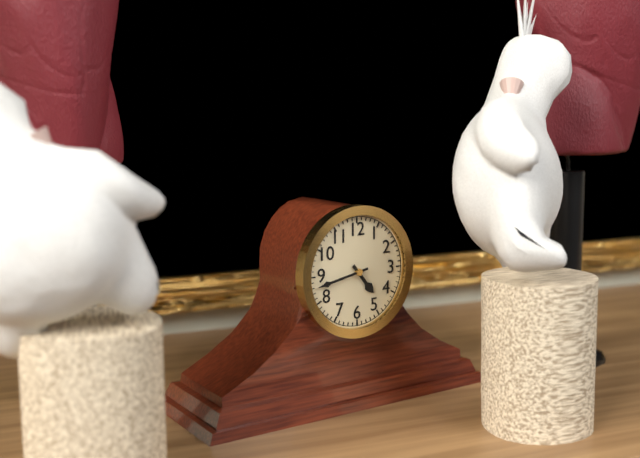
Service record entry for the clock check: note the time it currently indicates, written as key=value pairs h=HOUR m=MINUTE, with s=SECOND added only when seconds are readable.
h=4 m=43
